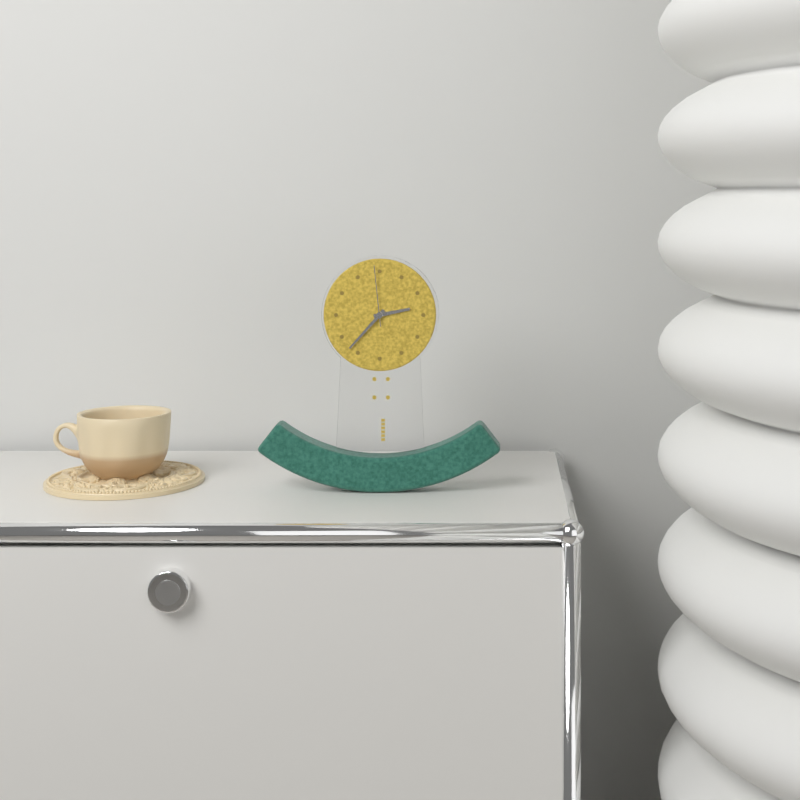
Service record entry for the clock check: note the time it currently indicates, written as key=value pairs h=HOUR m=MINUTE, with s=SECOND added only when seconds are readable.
h=2 m=37 s=59
